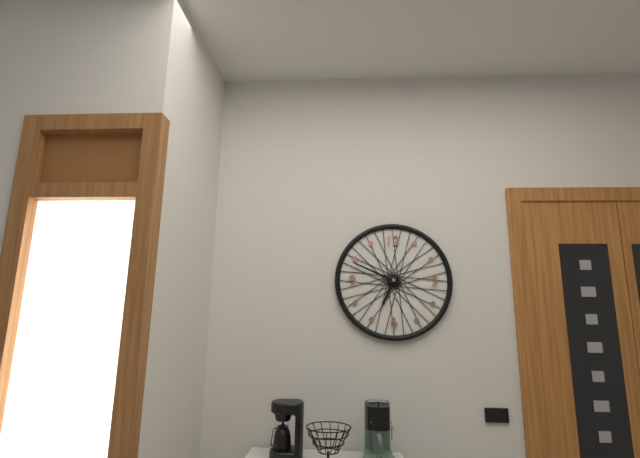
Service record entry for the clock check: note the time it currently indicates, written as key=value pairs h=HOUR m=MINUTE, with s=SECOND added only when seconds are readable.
h=6 m=49
